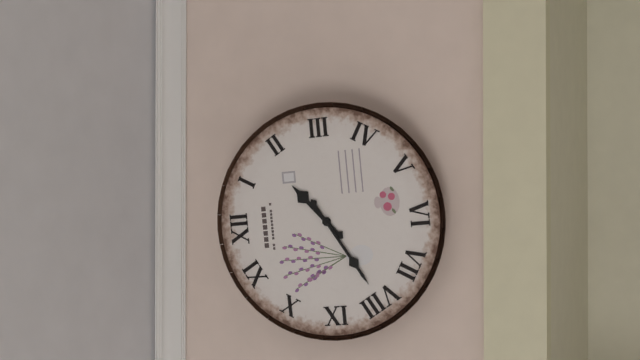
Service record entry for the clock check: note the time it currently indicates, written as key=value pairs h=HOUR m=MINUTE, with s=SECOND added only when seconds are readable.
h=1 m=40
